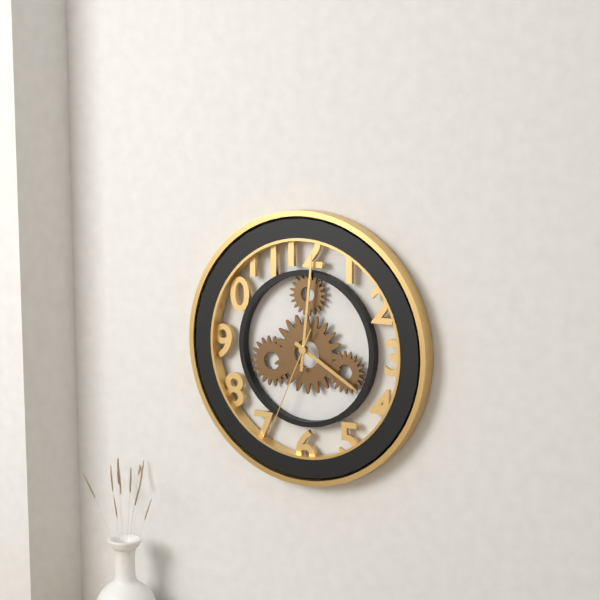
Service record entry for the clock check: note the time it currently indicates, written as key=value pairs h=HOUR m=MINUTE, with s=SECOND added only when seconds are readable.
h=4 m=1 s=34
